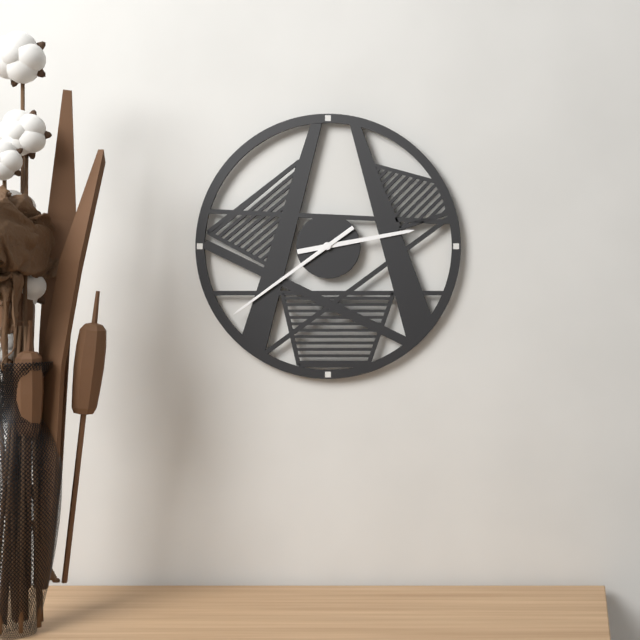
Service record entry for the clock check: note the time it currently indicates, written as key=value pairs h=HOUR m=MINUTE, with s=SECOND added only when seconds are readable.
h=2 m=39
